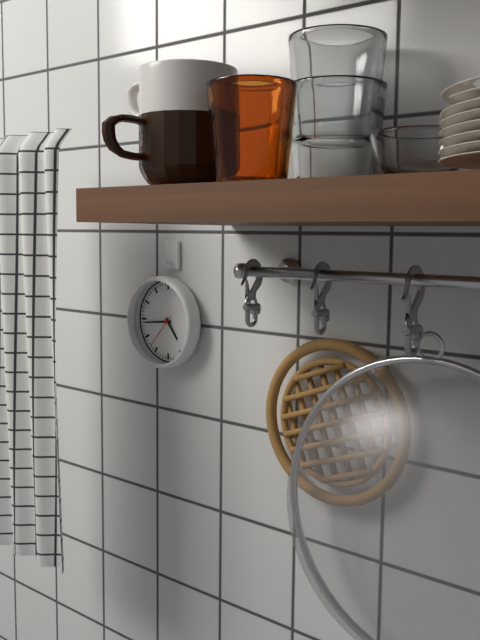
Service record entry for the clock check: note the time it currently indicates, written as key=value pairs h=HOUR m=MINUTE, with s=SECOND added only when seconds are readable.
h=4 m=44
